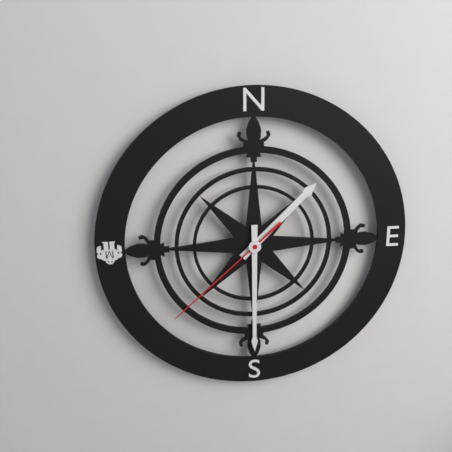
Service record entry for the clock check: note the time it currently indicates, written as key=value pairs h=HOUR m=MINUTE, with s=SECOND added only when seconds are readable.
h=1 m=30 s=38
